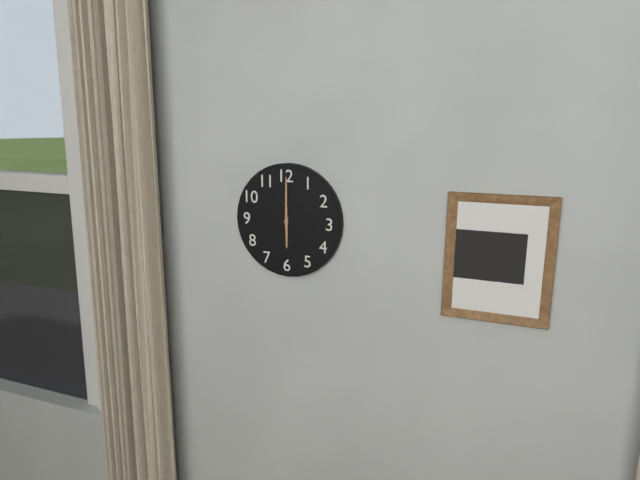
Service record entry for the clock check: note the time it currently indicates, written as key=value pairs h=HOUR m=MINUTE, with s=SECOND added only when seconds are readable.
h=6 m=0
